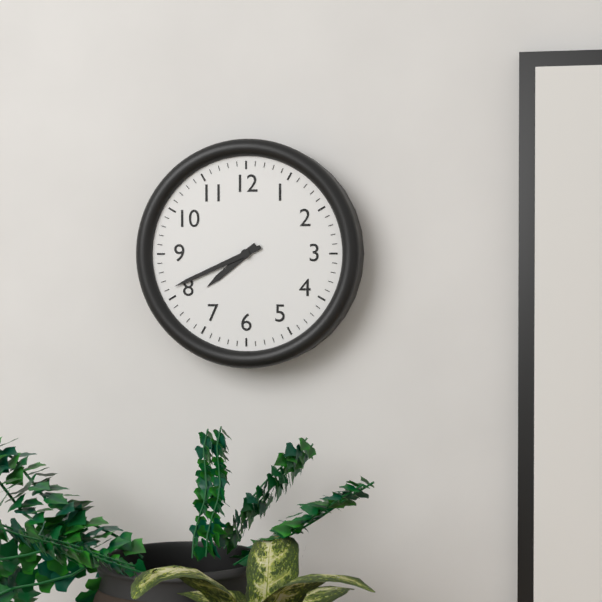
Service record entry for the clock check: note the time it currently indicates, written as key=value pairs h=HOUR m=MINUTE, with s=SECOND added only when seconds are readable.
h=7 m=41
